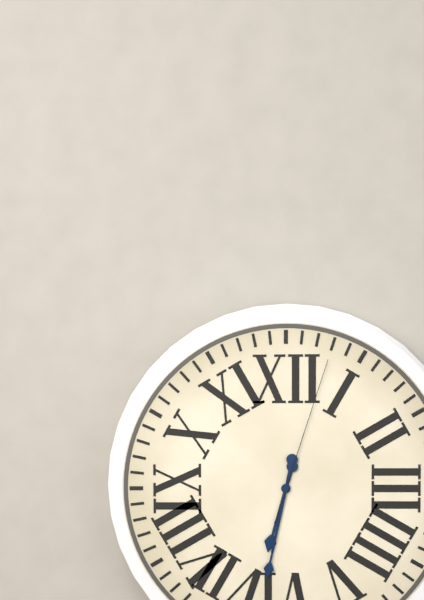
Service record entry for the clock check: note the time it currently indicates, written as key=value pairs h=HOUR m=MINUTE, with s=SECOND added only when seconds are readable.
h=6 m=32 s=3
